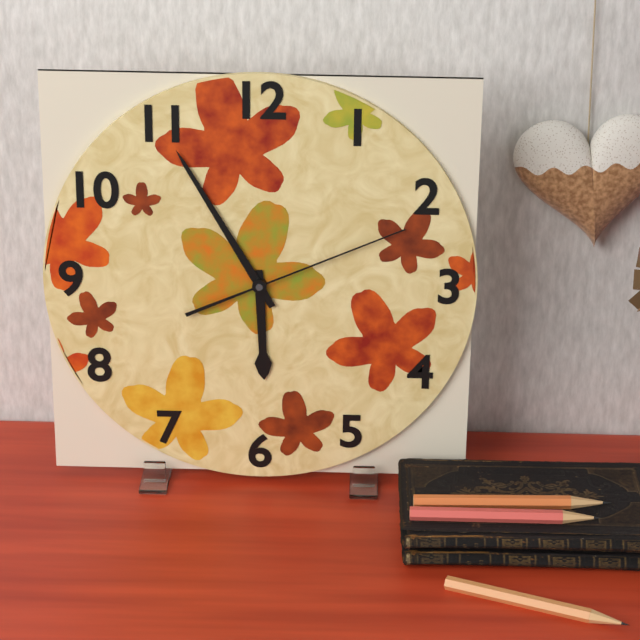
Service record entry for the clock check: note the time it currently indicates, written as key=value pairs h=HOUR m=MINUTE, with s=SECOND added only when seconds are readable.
h=5 m=55 s=11
